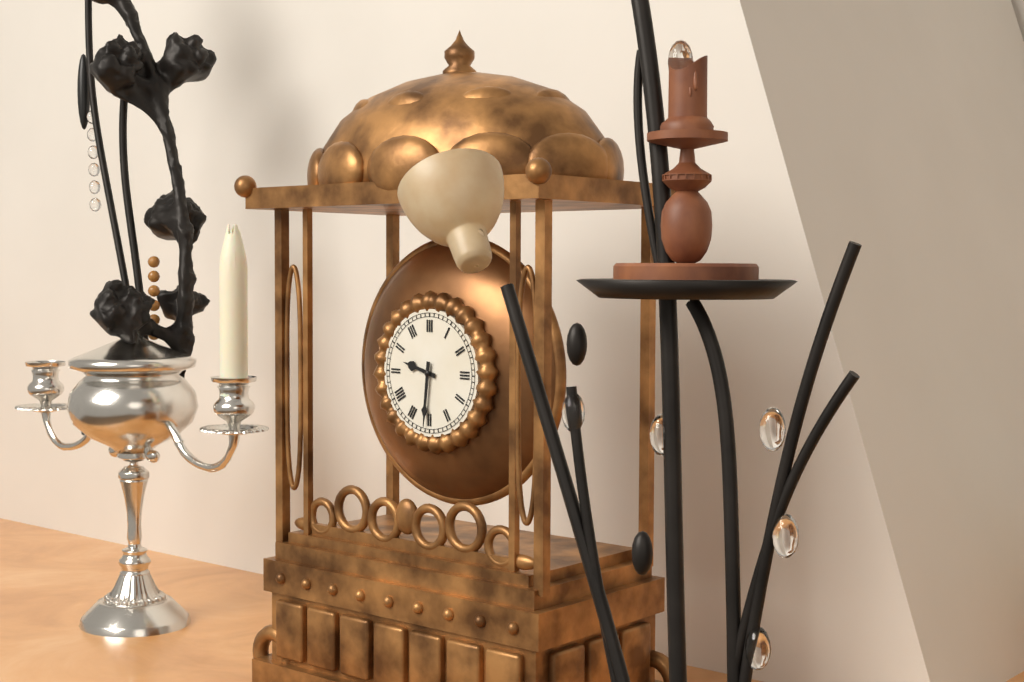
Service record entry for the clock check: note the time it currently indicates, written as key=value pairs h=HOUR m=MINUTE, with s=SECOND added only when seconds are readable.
h=9 m=31
